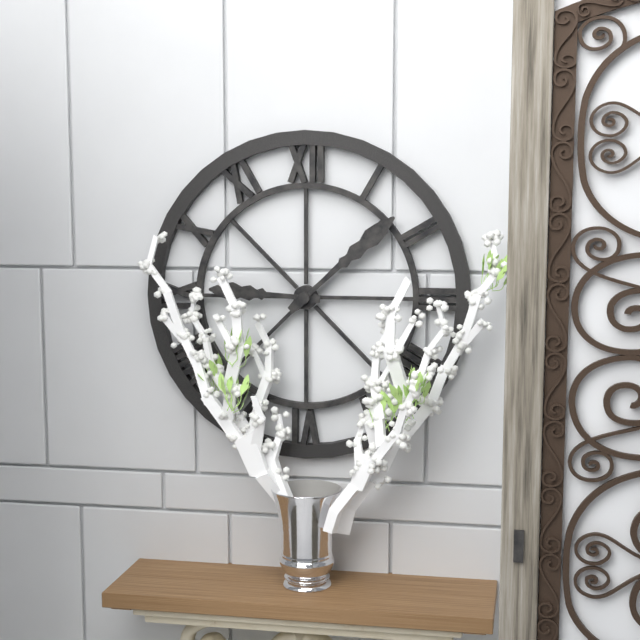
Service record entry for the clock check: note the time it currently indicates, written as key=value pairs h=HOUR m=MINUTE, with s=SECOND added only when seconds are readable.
h=9 m=8
